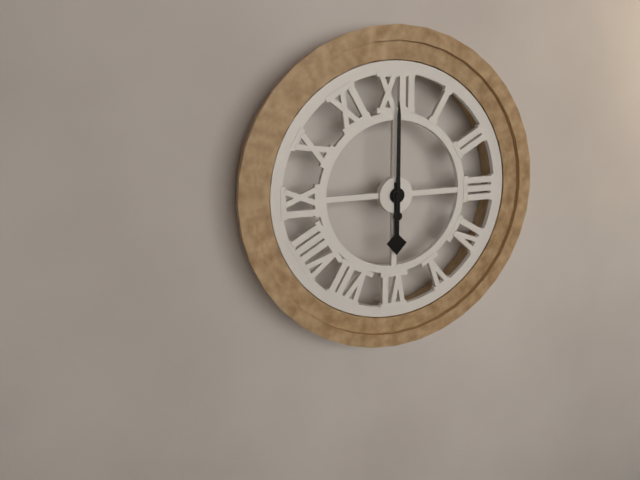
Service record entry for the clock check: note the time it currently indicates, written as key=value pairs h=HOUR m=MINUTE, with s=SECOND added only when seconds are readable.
h=6 m=0
